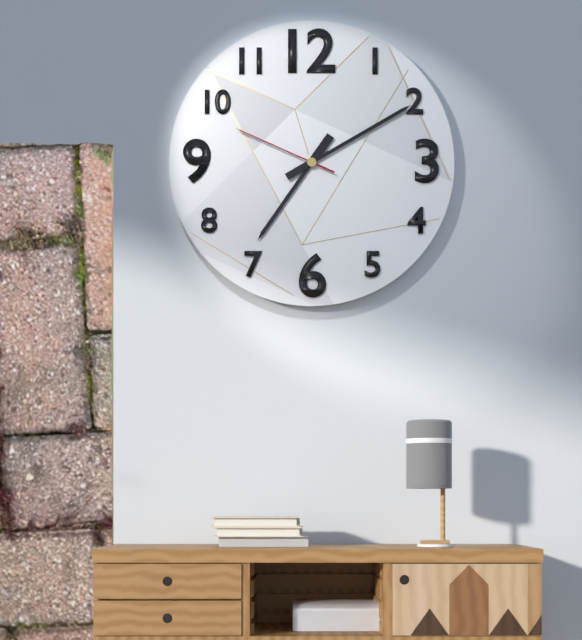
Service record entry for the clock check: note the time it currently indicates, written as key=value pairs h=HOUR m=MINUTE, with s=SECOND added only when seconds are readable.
h=7 m=10 s=49
